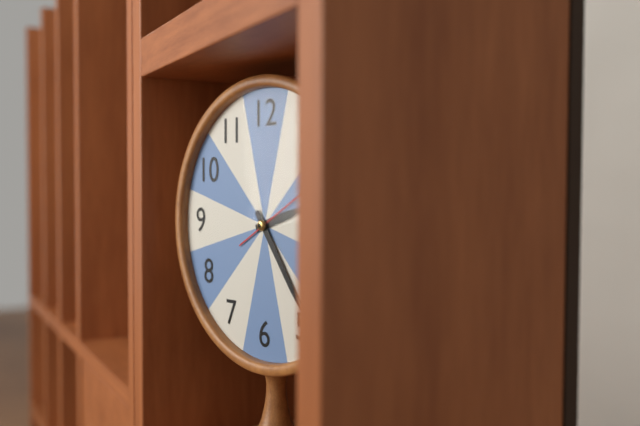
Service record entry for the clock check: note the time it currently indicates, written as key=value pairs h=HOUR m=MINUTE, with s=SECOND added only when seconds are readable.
h=2 m=24
